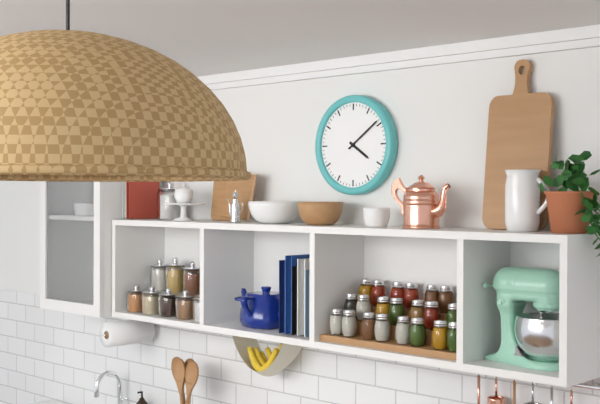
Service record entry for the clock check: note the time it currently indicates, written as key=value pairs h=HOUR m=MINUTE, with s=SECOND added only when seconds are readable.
h=4 m=9
